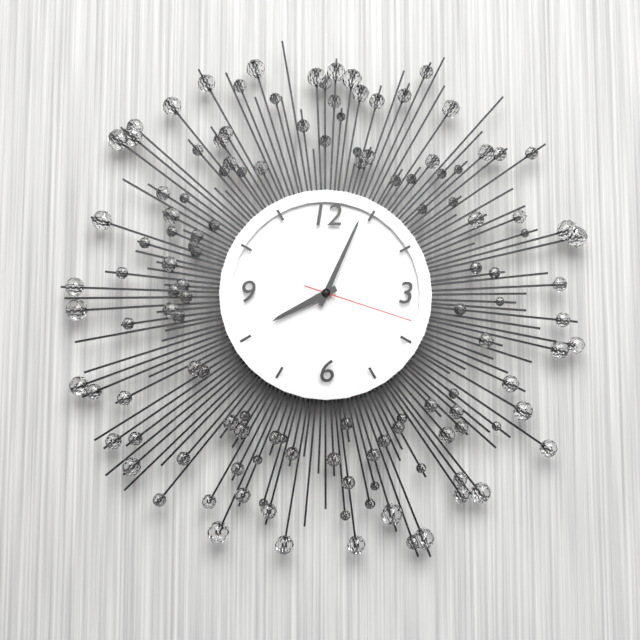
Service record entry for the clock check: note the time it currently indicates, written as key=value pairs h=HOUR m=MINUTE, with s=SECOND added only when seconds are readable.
h=8 m=4 s=18
